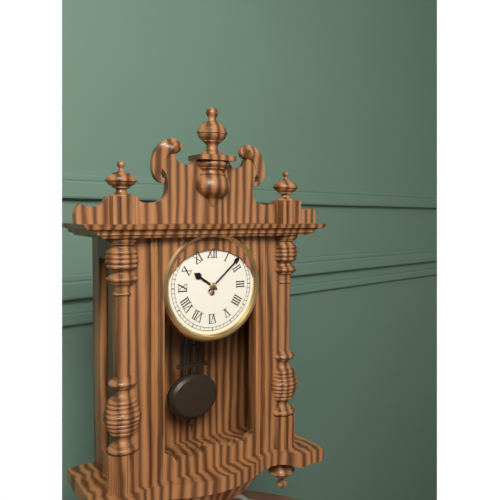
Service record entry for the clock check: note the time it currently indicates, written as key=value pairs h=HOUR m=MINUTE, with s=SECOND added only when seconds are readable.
h=10 m=8
